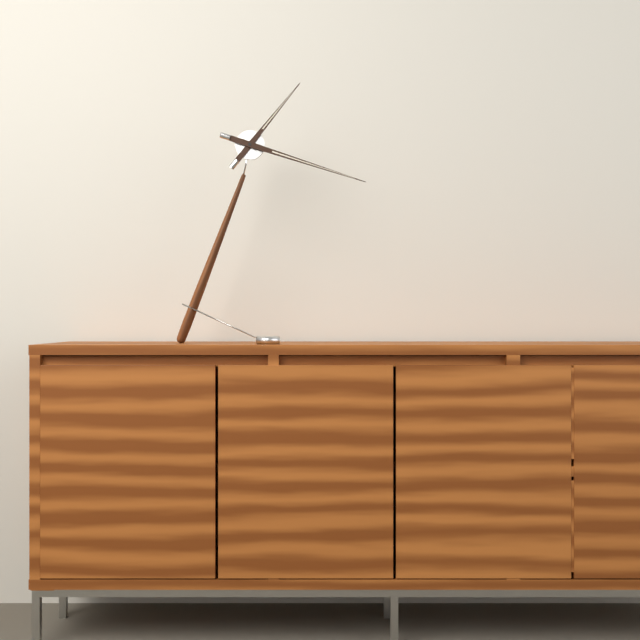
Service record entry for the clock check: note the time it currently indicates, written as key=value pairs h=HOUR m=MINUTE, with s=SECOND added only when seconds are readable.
h=1 m=18
